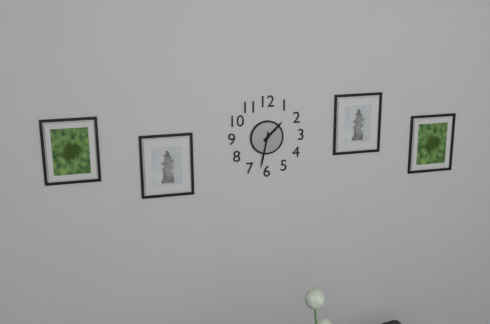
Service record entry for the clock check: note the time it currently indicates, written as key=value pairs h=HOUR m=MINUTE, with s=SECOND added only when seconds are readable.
h=1 m=32
